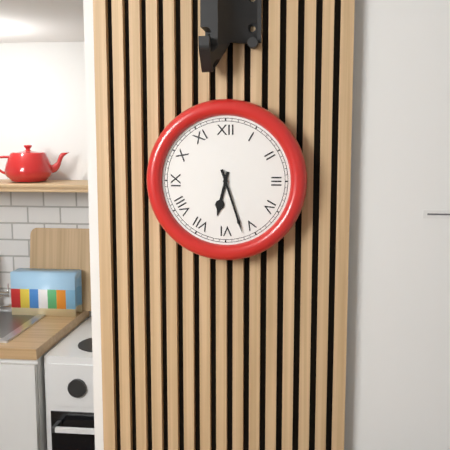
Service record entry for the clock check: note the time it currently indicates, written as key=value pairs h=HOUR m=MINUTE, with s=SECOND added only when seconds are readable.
h=6 m=27
